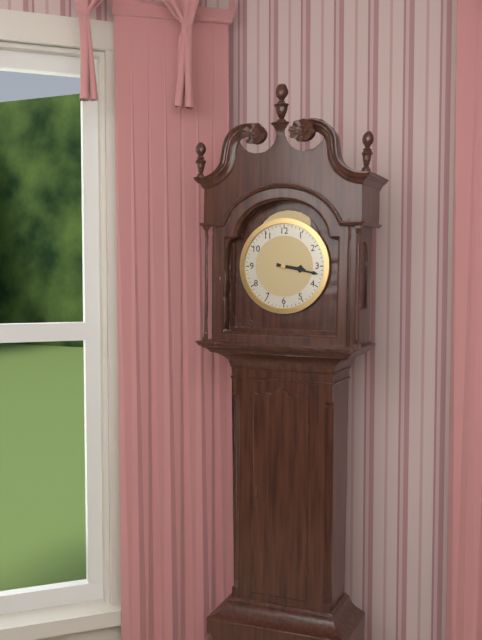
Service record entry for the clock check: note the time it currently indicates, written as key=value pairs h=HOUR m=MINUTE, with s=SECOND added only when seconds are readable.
h=3 m=17
